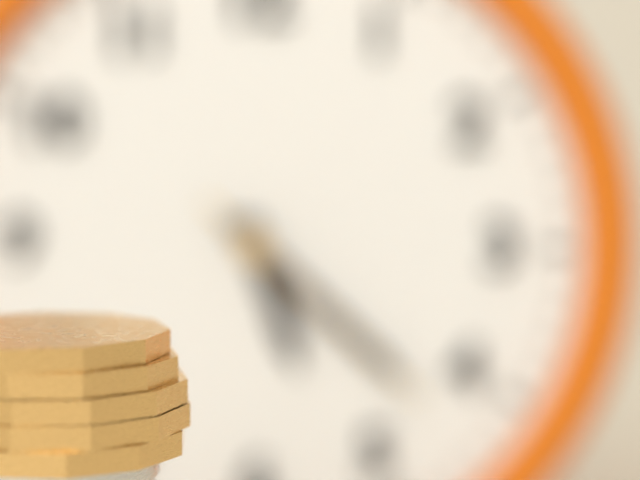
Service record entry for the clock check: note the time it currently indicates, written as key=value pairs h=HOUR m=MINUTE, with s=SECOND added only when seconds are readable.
h=5 m=22 s=22
